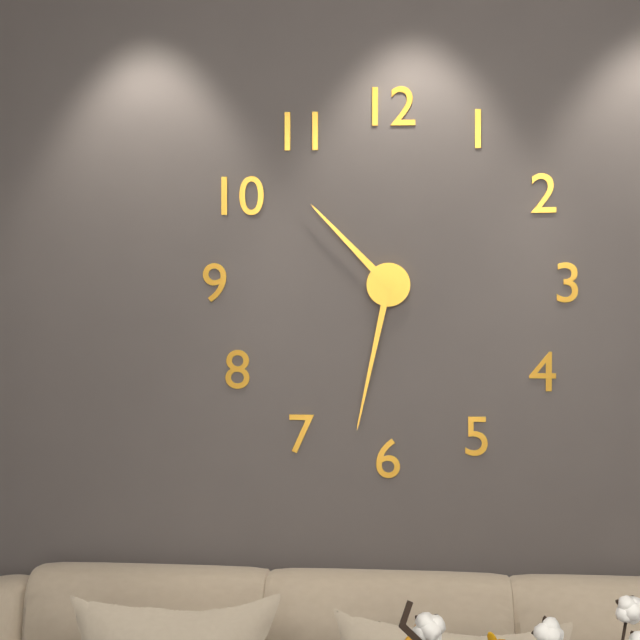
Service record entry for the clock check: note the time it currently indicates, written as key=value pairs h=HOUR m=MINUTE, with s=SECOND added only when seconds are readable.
h=10 m=32
